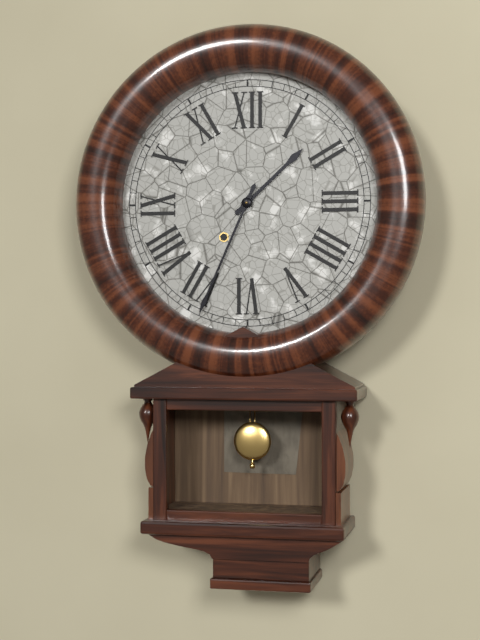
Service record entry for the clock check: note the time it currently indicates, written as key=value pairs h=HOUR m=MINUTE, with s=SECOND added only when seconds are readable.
h=1 m=34
